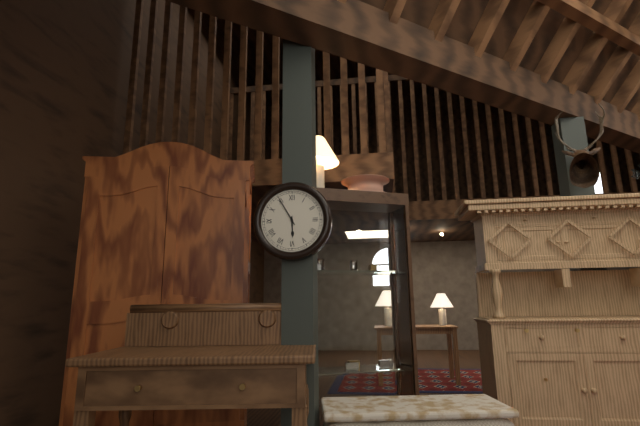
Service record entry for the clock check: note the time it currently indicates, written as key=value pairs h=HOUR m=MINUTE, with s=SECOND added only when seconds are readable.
h=5 m=55
